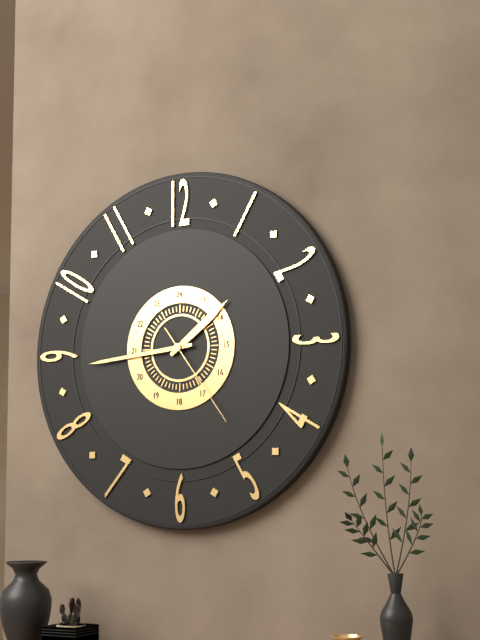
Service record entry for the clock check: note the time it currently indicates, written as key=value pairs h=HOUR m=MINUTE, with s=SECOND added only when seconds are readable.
h=1 m=44 s=24
